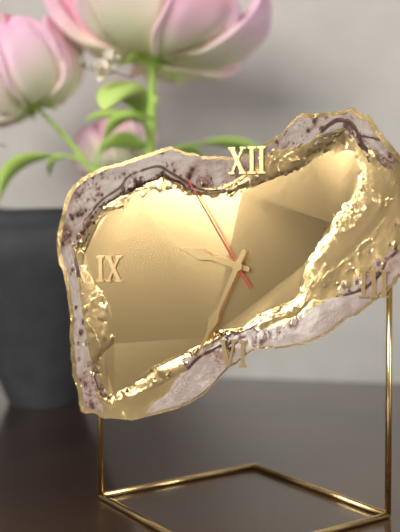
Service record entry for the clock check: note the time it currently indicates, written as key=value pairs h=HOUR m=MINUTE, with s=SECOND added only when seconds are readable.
h=9 m=34 s=55
